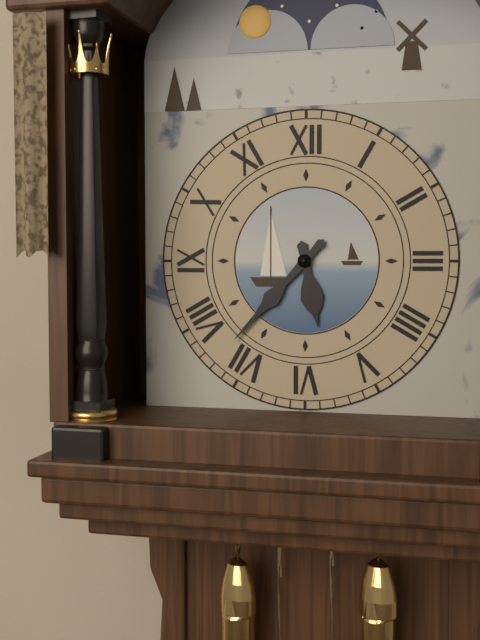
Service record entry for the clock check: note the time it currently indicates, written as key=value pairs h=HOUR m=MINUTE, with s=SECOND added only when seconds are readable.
h=5 m=37
